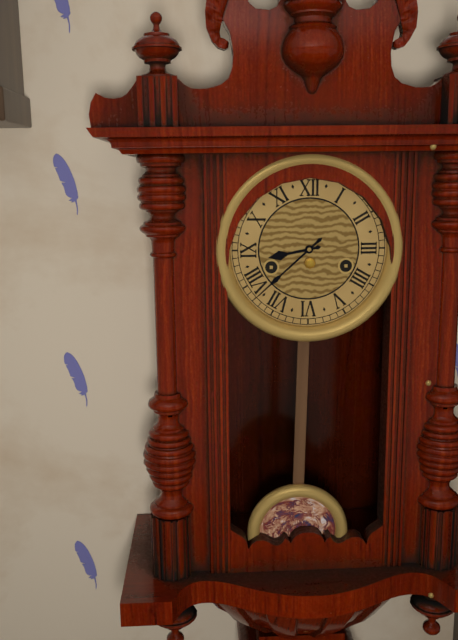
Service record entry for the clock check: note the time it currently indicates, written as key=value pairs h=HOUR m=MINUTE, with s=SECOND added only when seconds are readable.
h=8 m=38
